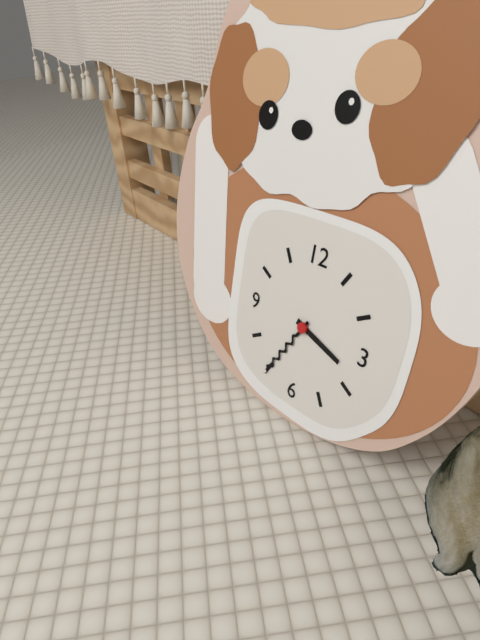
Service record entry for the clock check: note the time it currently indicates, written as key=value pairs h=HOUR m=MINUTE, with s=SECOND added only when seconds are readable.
h=3 m=35
